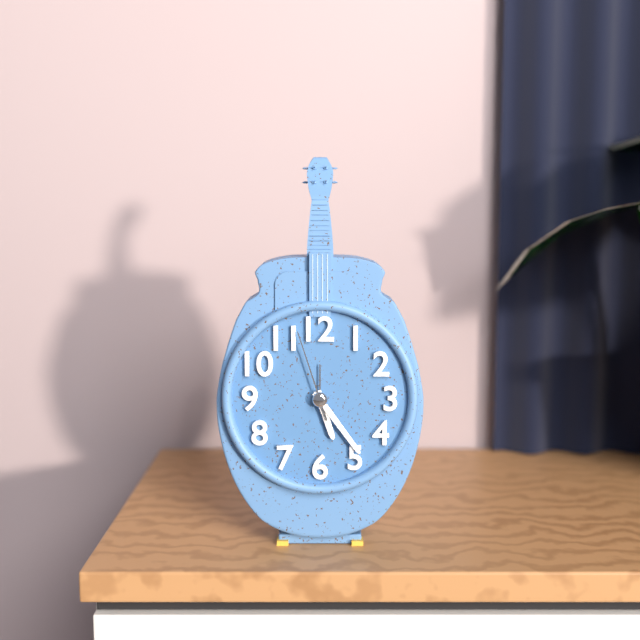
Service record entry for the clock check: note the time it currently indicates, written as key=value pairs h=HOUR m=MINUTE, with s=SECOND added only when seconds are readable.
h=5 m=24 s=57
